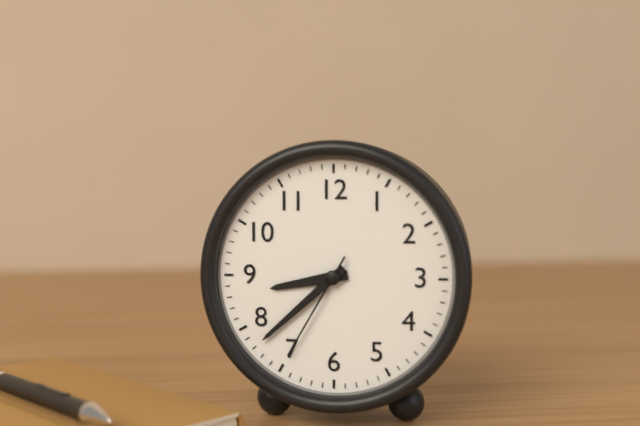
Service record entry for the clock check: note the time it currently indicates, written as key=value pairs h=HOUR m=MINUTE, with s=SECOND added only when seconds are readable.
h=8 m=38 s=35
